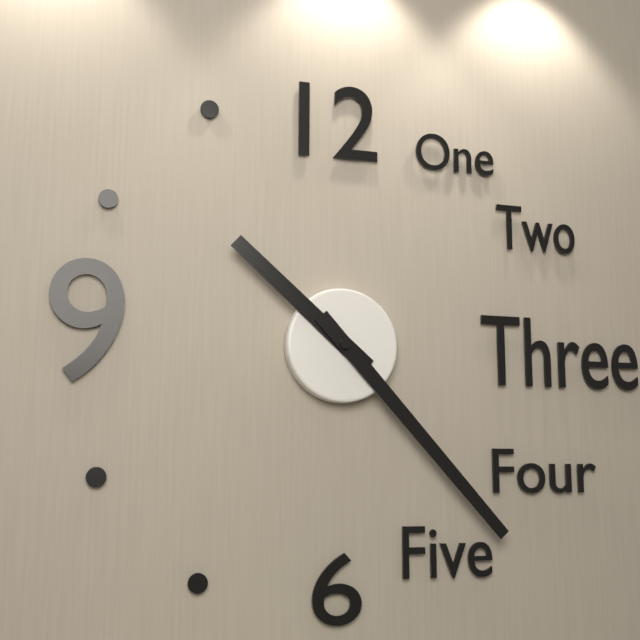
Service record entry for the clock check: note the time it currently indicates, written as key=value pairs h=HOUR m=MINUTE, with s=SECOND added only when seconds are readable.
h=10 m=23
